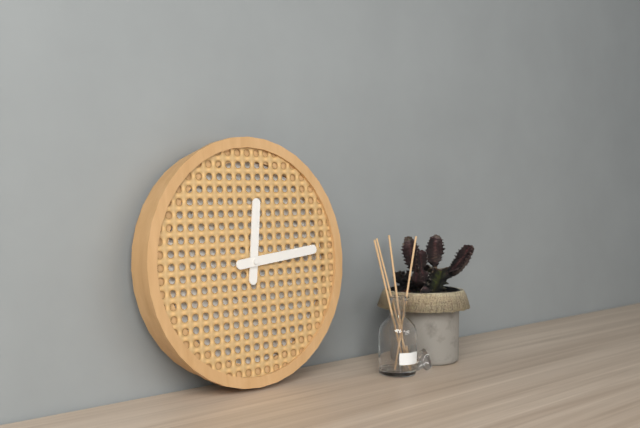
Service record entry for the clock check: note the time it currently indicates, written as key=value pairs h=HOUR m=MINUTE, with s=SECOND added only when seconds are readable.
h=12 m=14
